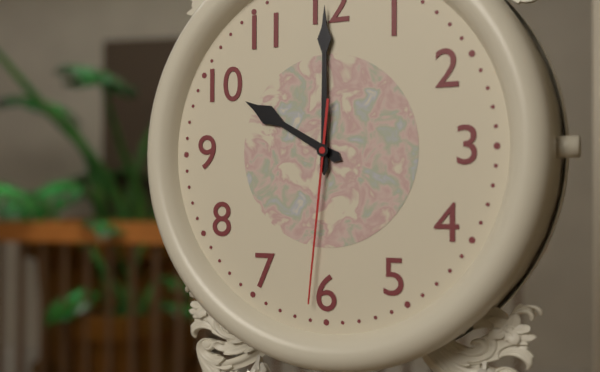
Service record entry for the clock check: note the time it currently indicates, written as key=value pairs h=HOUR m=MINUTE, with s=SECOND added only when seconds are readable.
h=10 m=0 s=31
